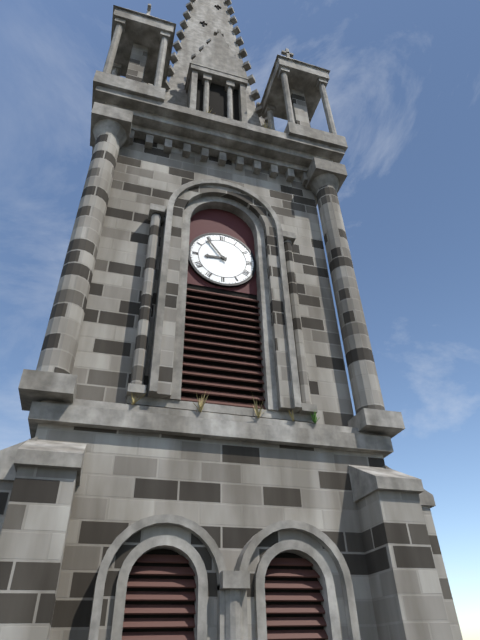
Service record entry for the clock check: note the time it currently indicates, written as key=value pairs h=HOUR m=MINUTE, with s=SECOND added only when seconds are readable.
h=8 m=54
